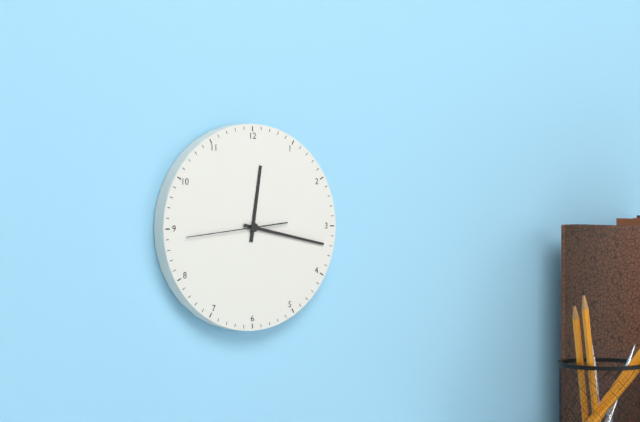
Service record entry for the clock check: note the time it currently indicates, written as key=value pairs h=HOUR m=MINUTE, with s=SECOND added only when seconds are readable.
h=12 m=17 s=44
